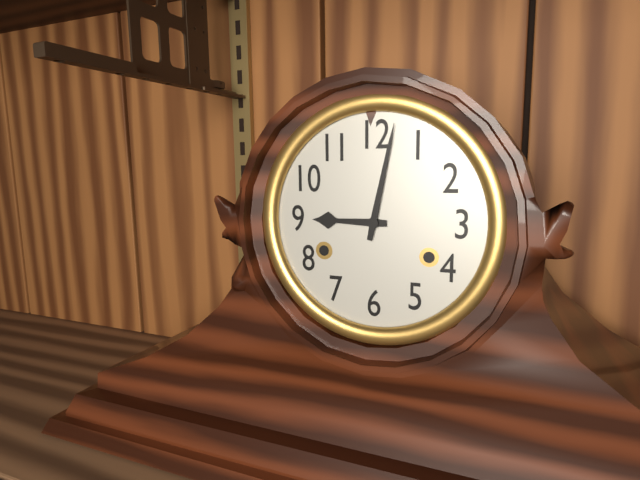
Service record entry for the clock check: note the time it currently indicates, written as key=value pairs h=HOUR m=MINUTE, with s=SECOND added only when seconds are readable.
h=9 m=2
